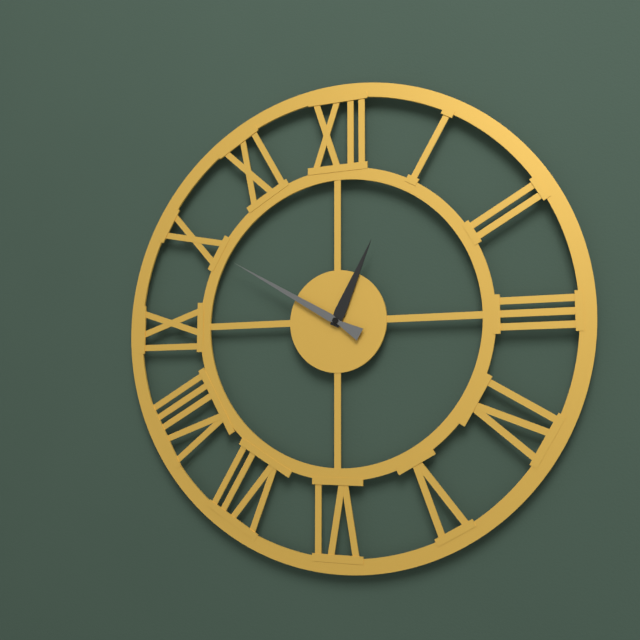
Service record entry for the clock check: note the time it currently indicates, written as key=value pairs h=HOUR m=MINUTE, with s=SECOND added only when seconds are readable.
h=12 m=50
